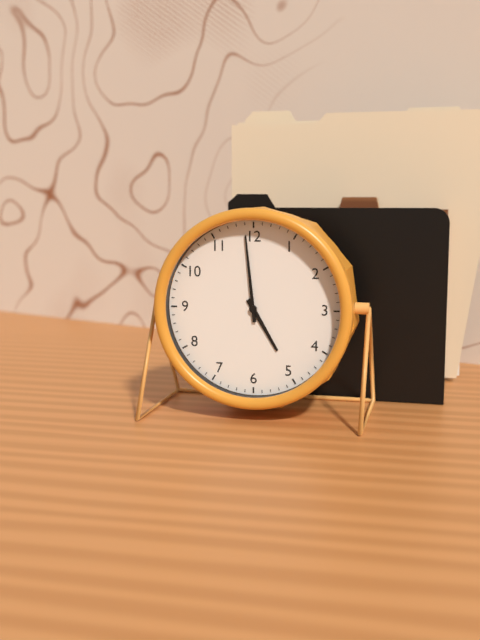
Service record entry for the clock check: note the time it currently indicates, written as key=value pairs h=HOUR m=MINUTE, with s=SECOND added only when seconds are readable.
h=4 m=59
